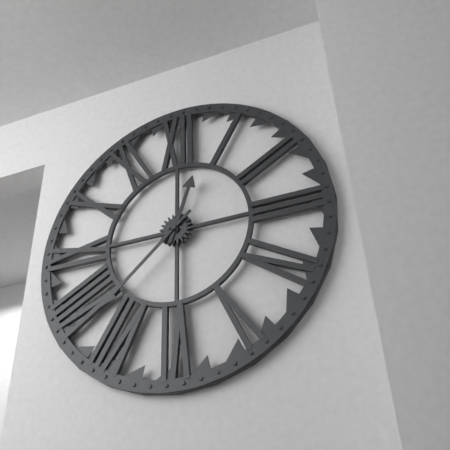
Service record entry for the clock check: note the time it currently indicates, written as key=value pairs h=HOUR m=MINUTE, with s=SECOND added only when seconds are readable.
h=12 m=38
